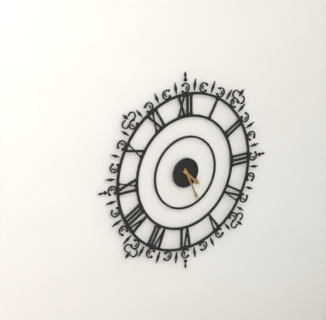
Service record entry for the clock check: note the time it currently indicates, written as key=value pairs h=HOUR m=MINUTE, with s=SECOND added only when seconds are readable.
h=4 m=26
